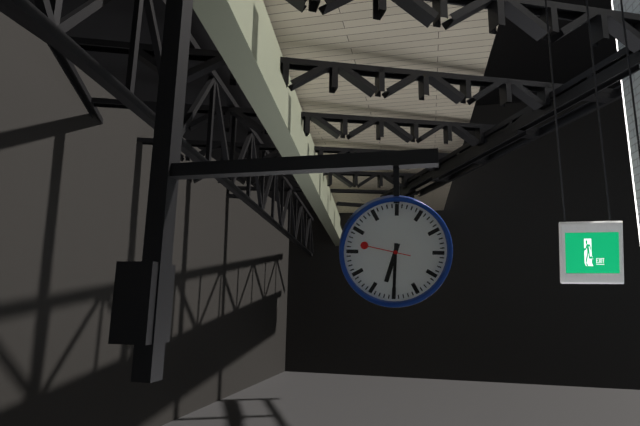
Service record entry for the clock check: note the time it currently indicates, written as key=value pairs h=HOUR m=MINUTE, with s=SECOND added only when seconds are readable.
h=6 m=30
